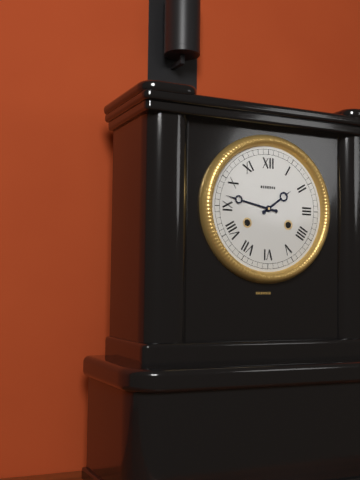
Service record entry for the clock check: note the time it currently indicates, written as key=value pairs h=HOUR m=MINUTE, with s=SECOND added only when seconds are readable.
h=1 m=47
